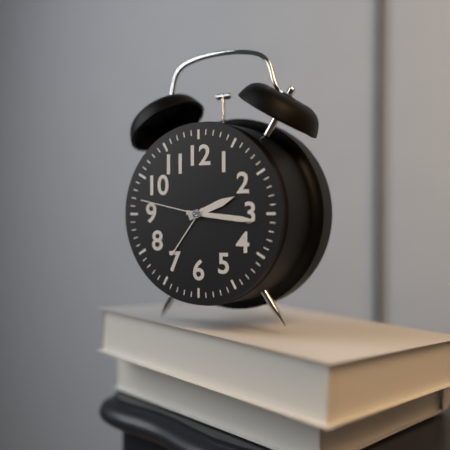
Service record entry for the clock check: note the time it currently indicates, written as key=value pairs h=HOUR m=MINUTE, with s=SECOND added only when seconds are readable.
h=2 m=16 s=47
